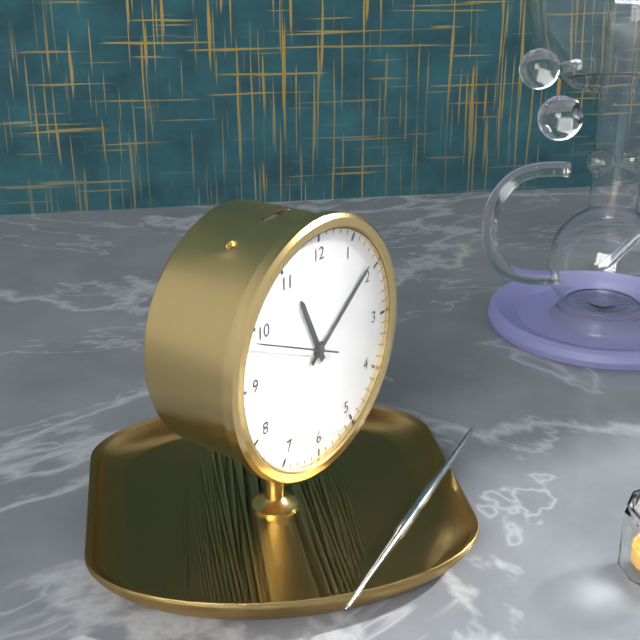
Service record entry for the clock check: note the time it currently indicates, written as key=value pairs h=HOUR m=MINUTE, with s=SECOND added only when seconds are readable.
h=11 m=9 s=49
